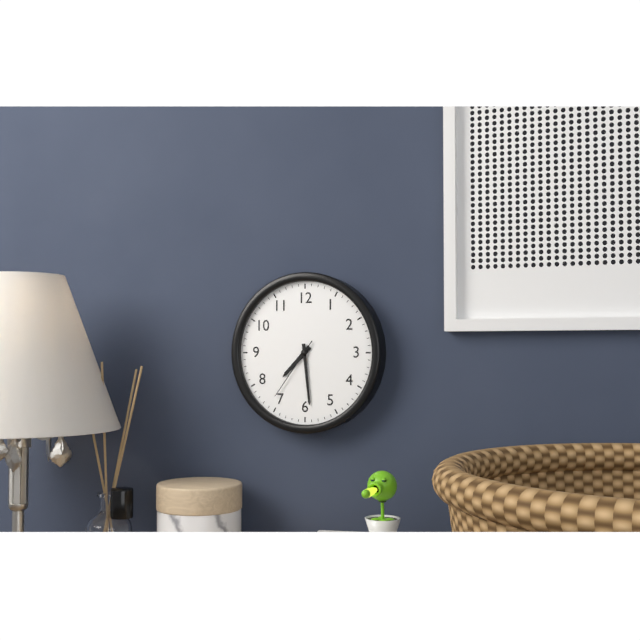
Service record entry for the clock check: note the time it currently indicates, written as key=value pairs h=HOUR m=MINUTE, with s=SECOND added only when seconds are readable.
h=7 m=29 s=36
